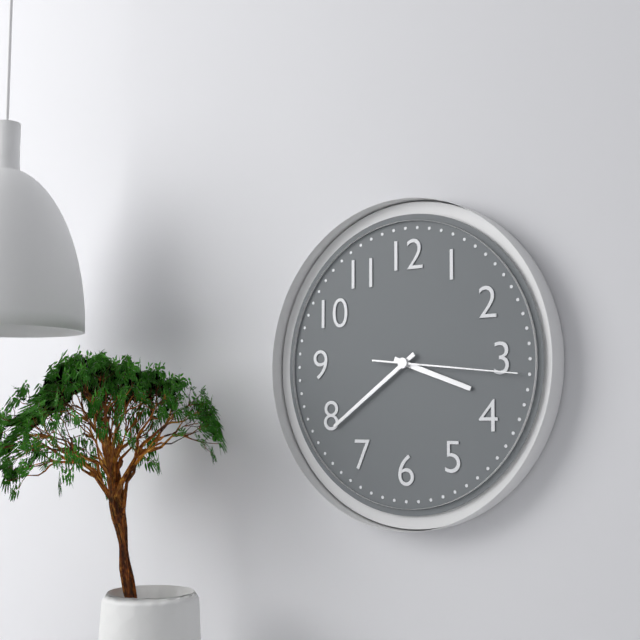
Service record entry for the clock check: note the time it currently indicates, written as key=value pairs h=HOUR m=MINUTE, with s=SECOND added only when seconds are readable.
h=3 m=39 s=16
